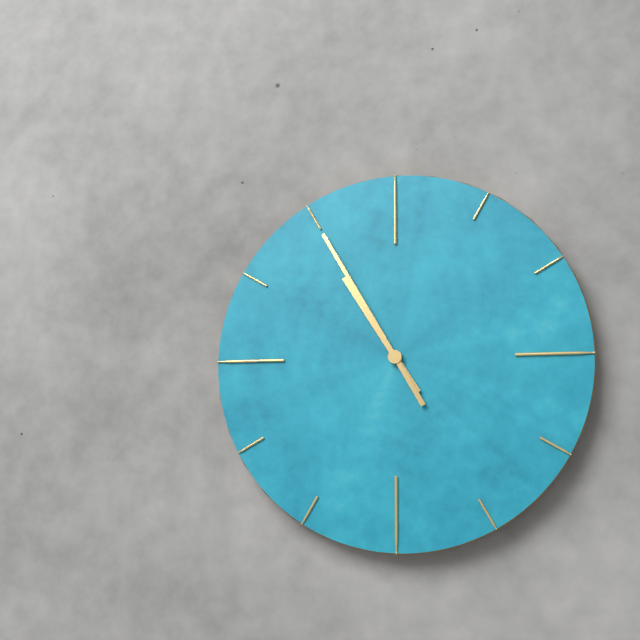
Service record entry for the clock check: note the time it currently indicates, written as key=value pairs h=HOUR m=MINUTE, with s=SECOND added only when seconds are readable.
h=10 m=55
